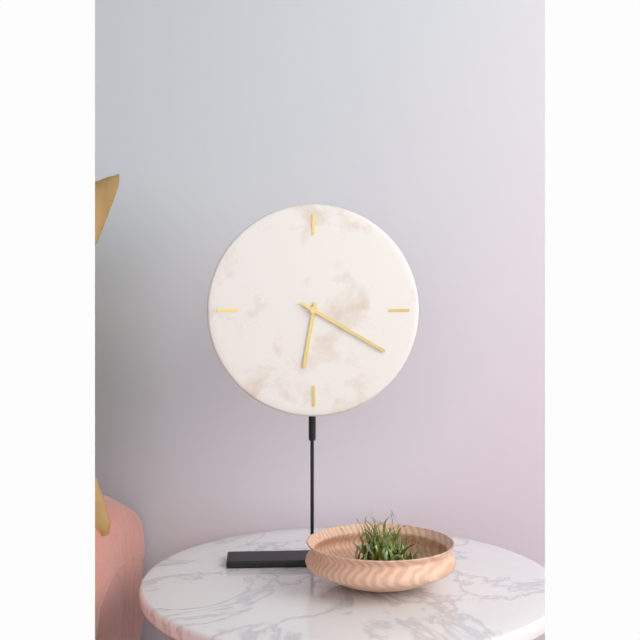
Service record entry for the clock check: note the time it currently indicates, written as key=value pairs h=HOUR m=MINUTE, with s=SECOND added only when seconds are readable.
h=6 m=20
